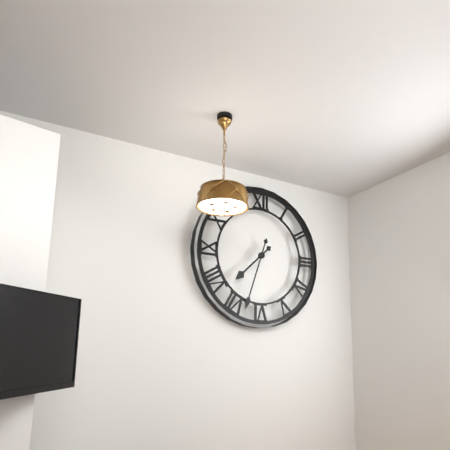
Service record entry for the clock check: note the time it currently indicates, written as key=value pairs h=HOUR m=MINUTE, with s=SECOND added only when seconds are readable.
h=7 m=33
